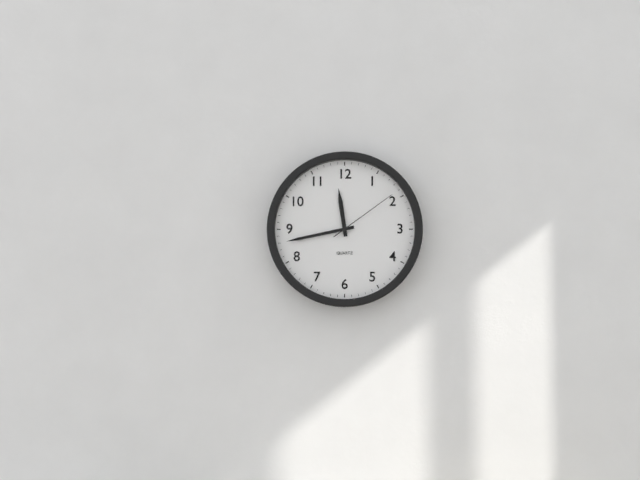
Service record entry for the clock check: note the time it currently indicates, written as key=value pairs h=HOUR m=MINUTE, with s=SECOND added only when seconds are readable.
h=11 m=43 s=9
